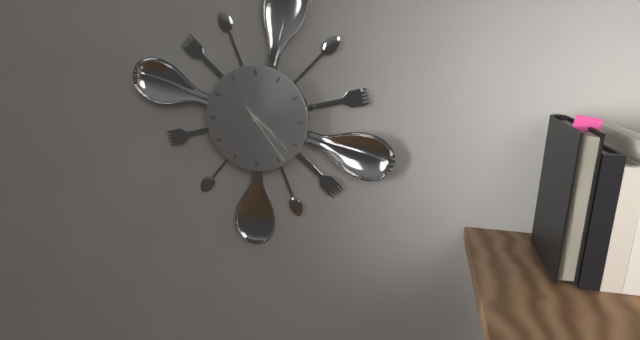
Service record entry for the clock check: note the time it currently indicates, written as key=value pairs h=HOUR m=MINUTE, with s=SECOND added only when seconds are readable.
h=4 m=22 s=24
